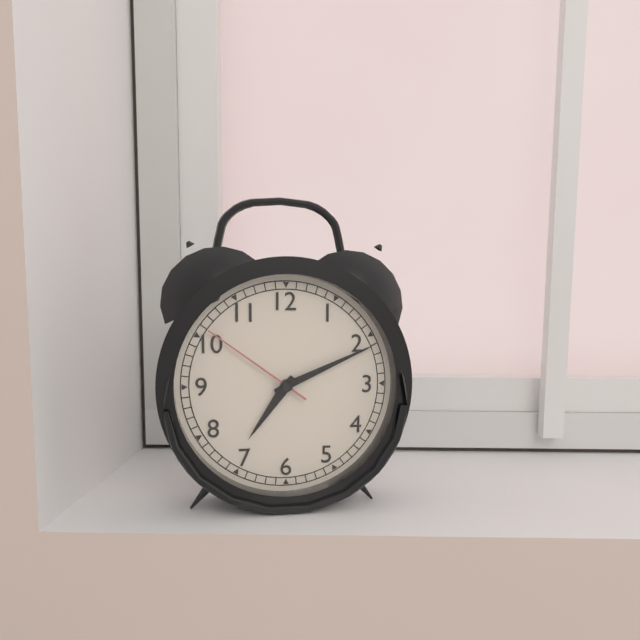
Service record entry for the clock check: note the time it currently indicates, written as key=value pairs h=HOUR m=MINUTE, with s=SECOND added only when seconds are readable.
h=7 m=11 s=51
